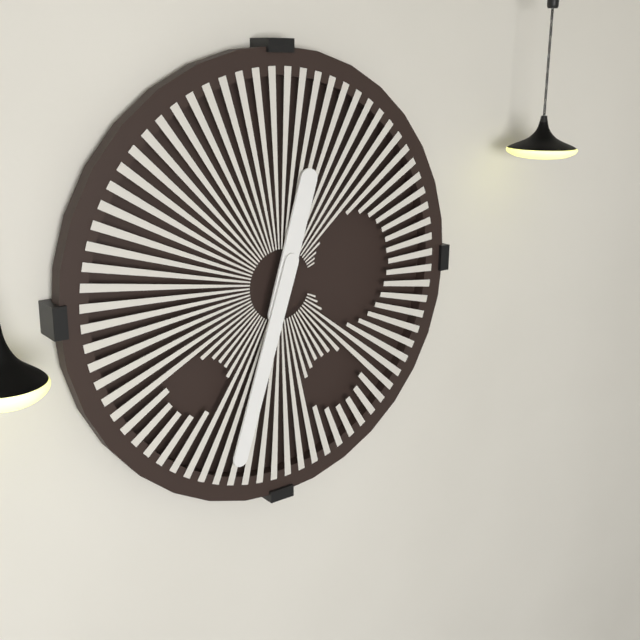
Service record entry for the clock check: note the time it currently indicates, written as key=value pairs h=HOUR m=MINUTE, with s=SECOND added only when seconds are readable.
h=12 m=33
